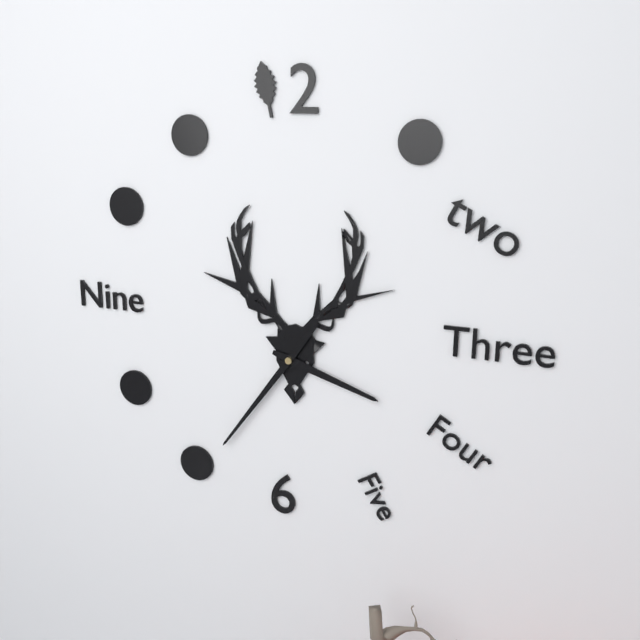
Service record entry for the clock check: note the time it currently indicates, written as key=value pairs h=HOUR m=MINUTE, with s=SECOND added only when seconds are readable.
h=3 m=36
